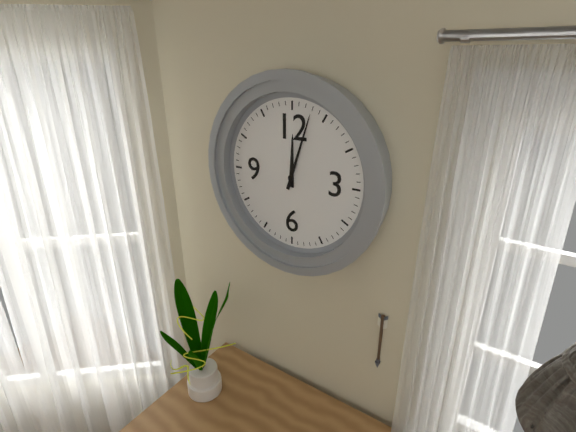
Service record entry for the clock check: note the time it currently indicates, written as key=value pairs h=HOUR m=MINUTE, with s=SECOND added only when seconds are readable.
h=12 m=3
